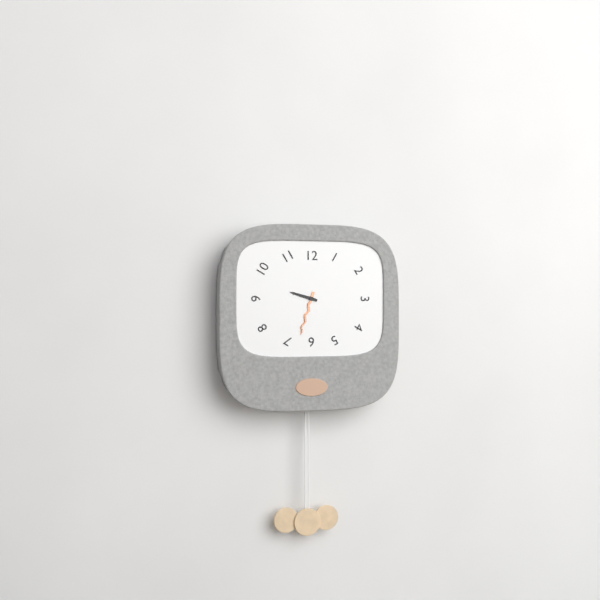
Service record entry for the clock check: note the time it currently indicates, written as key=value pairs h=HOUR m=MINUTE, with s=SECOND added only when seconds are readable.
h=9 m=33
